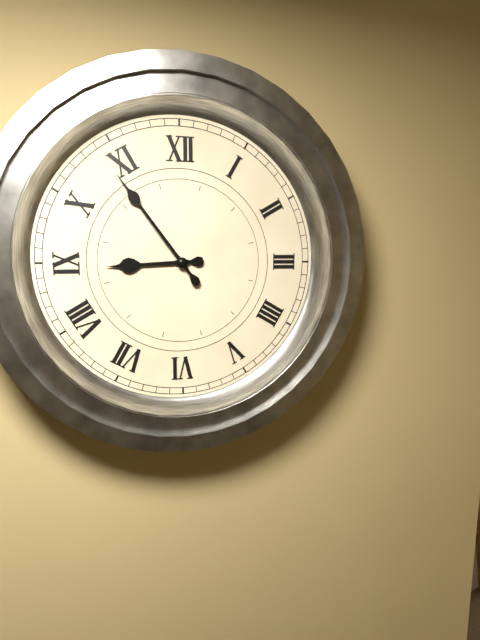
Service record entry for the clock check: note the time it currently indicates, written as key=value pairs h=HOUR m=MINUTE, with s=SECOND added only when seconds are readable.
h=8 m=54
